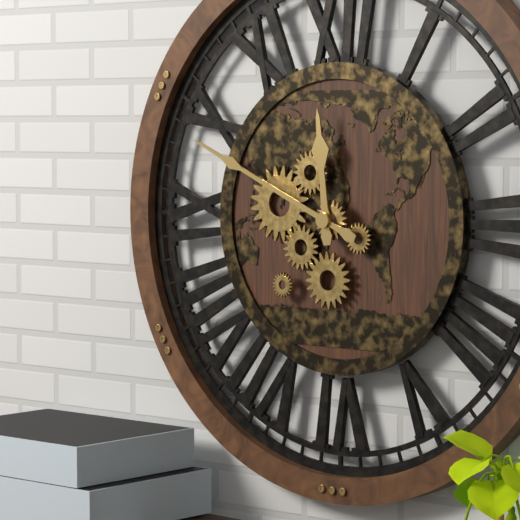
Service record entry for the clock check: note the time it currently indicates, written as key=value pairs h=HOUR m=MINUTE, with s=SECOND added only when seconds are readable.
h=11 m=49
